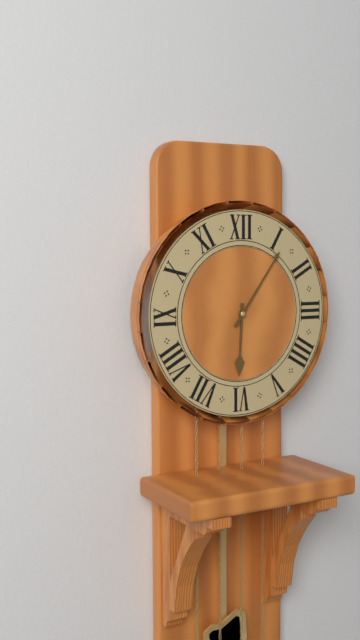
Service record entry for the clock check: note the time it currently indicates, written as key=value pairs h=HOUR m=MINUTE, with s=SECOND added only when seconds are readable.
h=6 m=6
